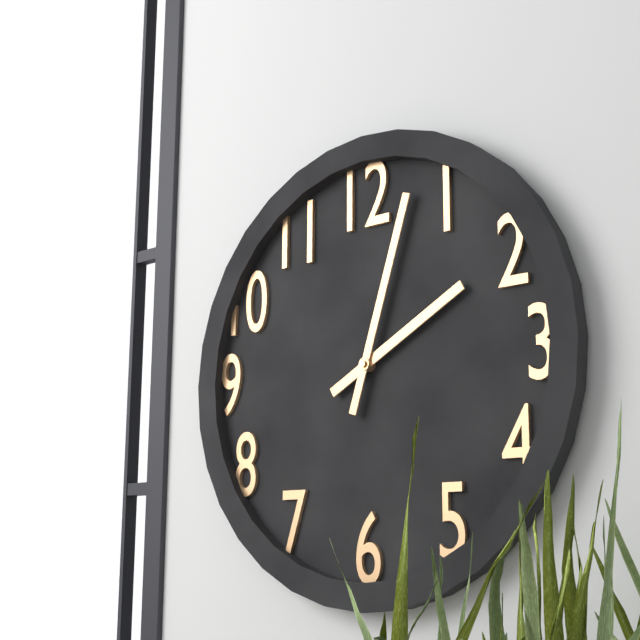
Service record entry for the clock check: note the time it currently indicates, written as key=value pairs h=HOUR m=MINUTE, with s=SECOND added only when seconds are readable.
h=2 m=3
